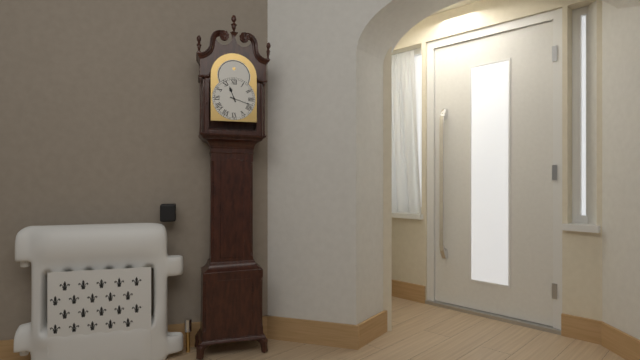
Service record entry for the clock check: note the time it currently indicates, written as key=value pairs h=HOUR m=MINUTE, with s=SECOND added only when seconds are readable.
h=11 m=18
